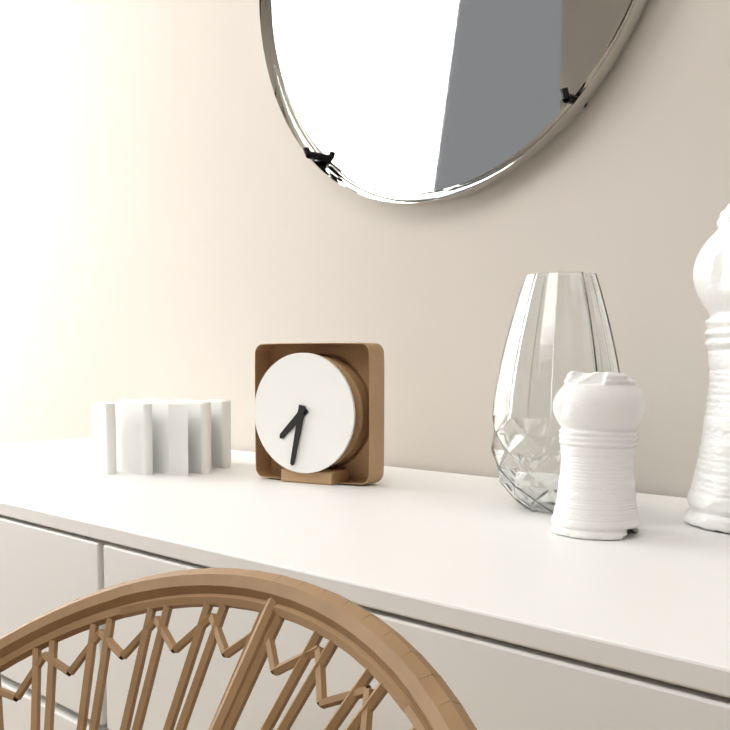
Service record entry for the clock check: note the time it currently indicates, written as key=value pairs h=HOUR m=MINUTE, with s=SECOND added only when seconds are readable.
h=7 m=32
